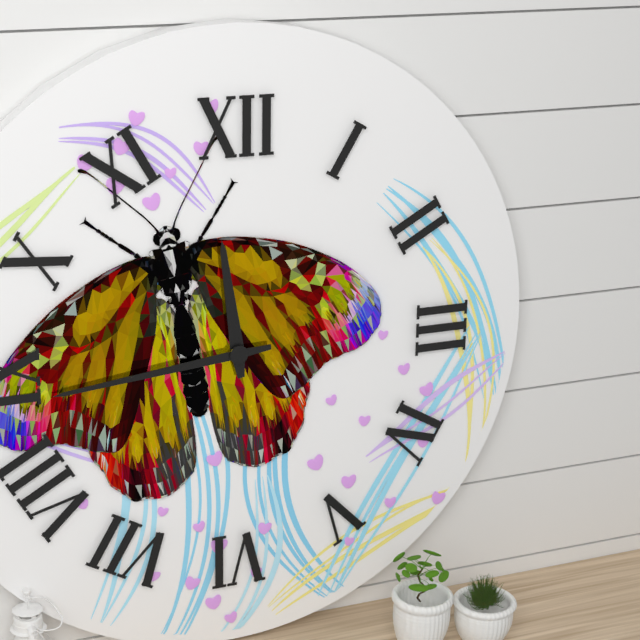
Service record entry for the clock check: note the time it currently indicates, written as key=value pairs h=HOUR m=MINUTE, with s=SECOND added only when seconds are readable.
h=11 m=44
